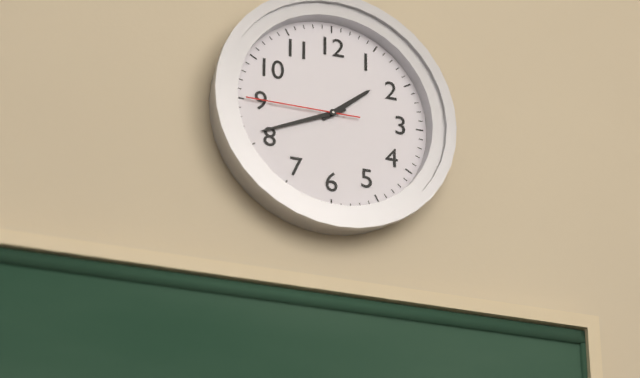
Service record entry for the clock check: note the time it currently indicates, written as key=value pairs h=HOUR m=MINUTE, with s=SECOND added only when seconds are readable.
h=1 m=41 s=45
